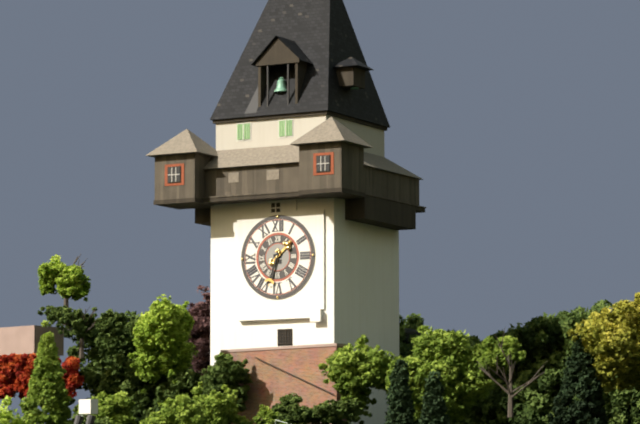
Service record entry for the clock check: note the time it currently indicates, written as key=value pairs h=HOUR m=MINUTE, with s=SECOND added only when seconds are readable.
h=1 m=33
